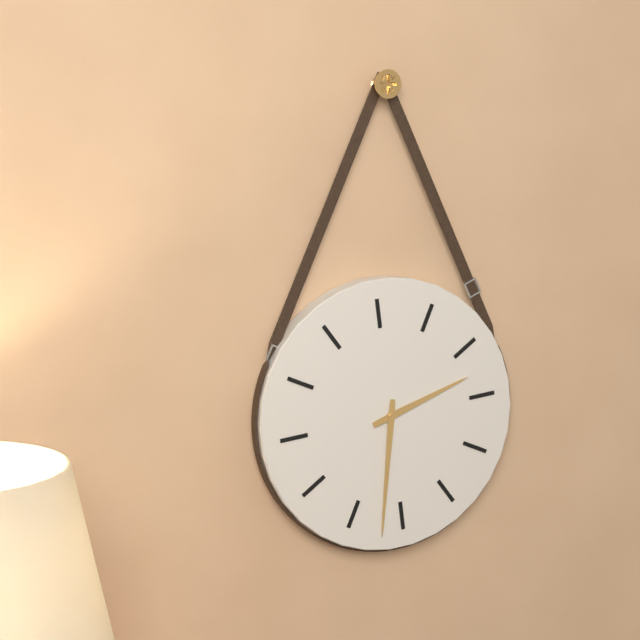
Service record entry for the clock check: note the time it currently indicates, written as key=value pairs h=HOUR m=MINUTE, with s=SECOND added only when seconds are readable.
h=2 m=32
